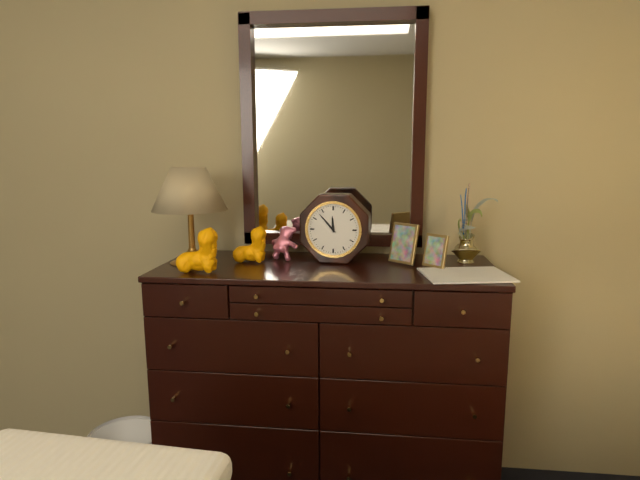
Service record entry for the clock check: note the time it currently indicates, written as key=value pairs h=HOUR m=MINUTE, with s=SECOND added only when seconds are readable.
h=11 m=53
